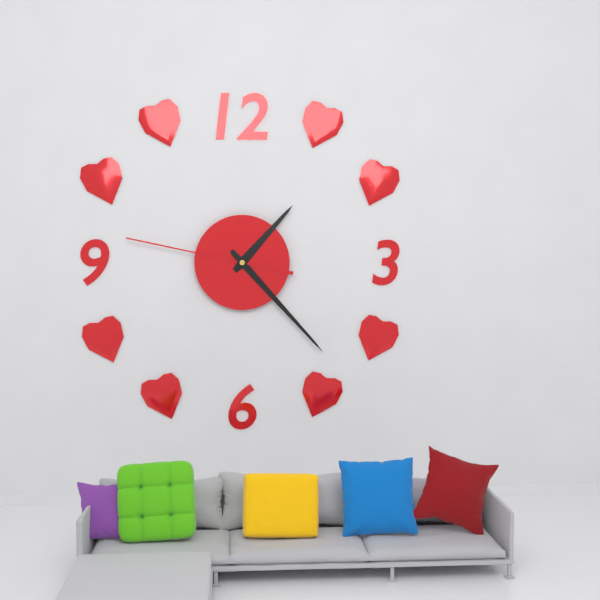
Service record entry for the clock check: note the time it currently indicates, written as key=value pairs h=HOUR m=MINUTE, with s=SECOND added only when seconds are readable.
h=1 m=23 s=47
